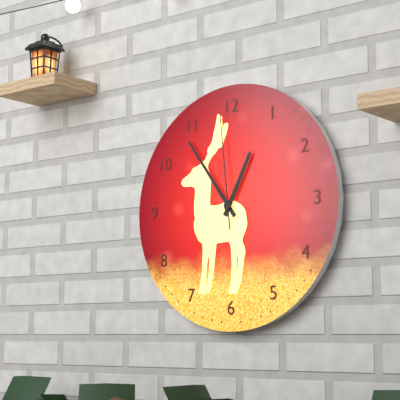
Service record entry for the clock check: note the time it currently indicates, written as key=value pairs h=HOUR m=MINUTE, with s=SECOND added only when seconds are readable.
h=12 m=54 s=59
